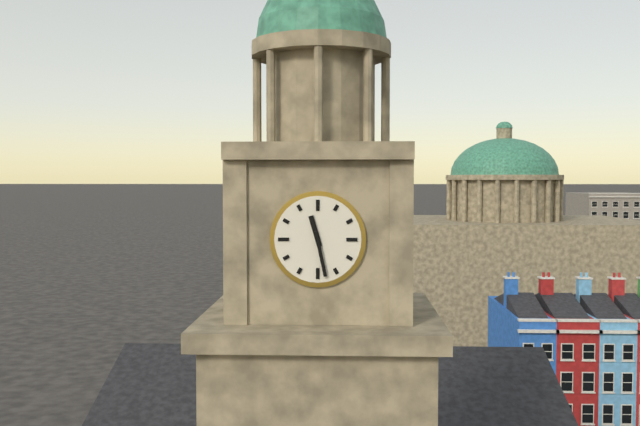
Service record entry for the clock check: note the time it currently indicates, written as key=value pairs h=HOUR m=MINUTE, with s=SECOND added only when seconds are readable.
h=11 m=28
